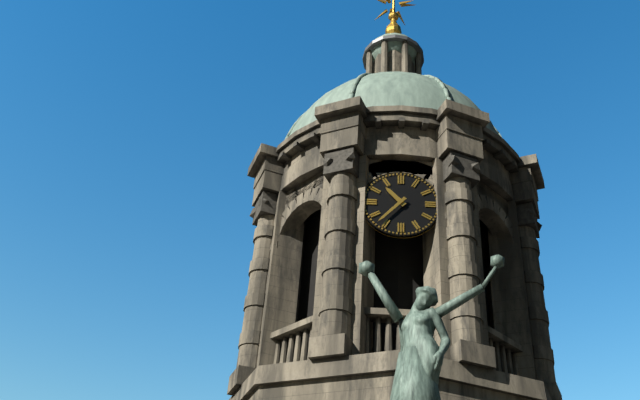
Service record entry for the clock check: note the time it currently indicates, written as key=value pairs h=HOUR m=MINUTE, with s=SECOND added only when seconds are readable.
h=10 m=37
